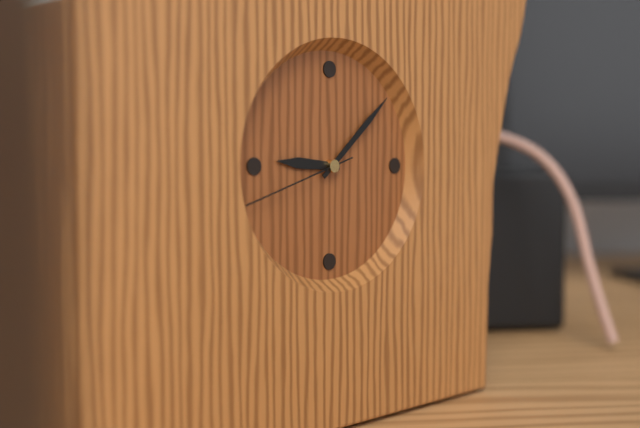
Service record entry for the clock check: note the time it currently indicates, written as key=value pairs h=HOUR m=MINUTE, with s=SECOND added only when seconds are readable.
h=9 m=8 s=42
